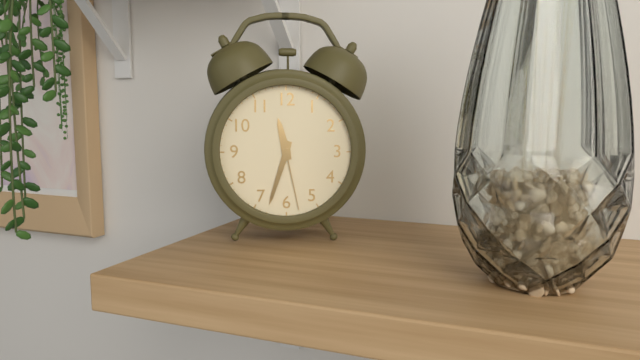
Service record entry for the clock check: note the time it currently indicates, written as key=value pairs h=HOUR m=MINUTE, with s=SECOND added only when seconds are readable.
h=11 m=33 s=28
